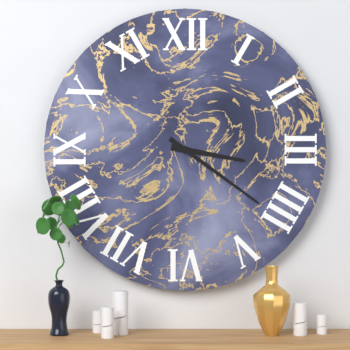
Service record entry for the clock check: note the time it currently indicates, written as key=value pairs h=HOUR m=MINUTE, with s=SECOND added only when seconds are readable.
h=3 m=21
